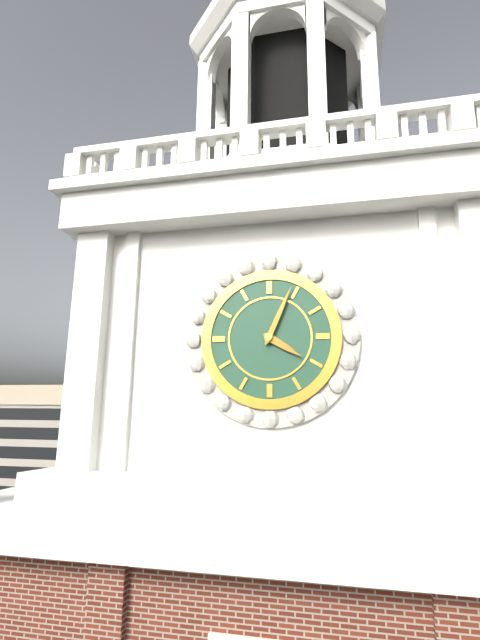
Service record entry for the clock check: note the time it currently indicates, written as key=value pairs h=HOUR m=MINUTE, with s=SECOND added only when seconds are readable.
h=4 m=4
